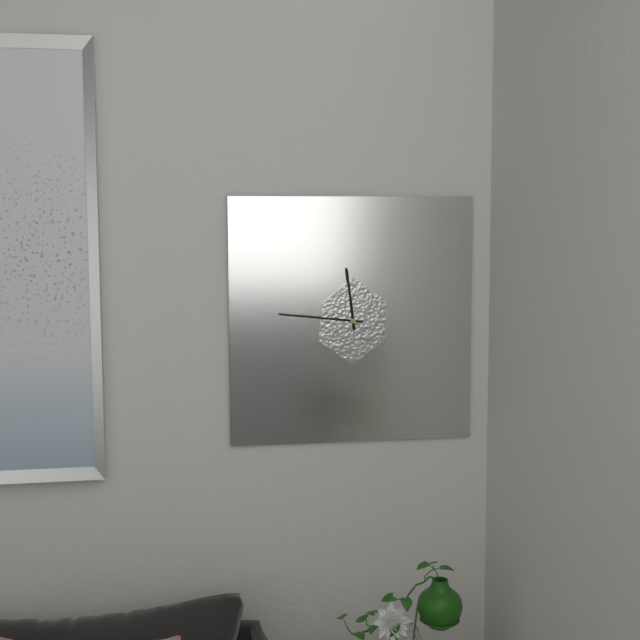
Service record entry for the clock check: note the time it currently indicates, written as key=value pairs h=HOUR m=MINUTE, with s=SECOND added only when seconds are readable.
h=11 m=46
